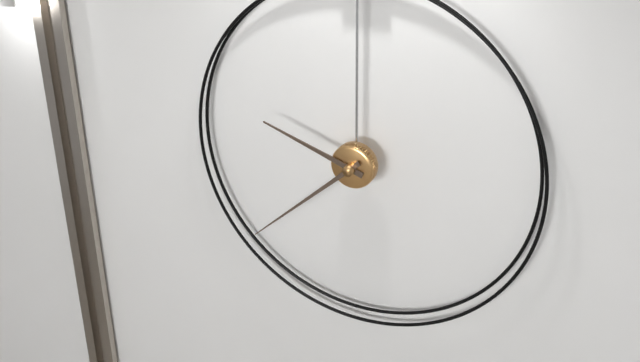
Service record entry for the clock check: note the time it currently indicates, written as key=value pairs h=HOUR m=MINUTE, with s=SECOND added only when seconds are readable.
h=9 m=38
